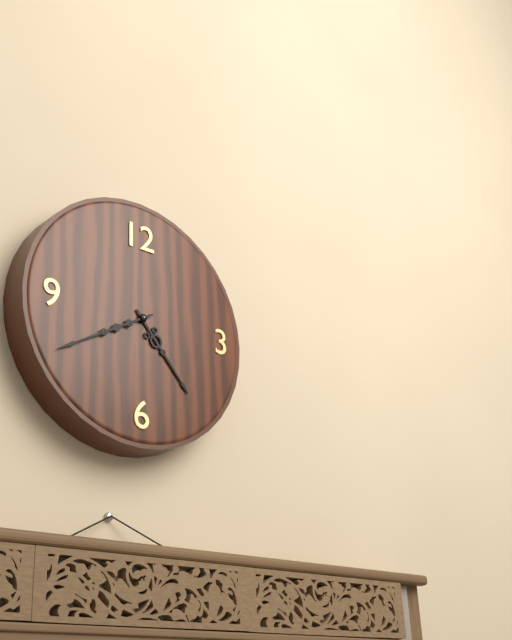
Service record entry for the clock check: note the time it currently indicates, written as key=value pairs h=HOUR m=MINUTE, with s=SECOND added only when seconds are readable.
h=4 m=40
